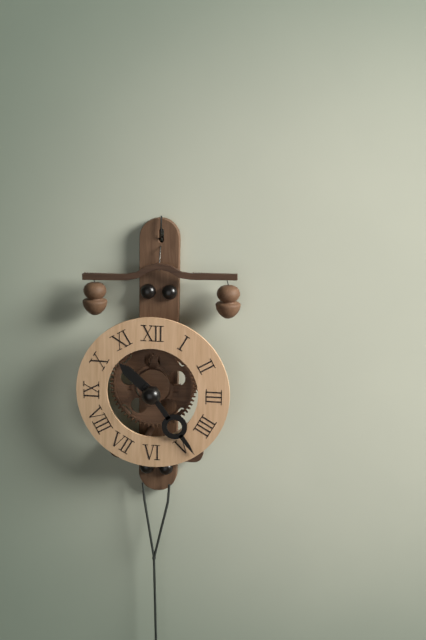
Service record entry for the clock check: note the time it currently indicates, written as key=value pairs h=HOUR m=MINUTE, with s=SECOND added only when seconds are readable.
h=10 m=24
